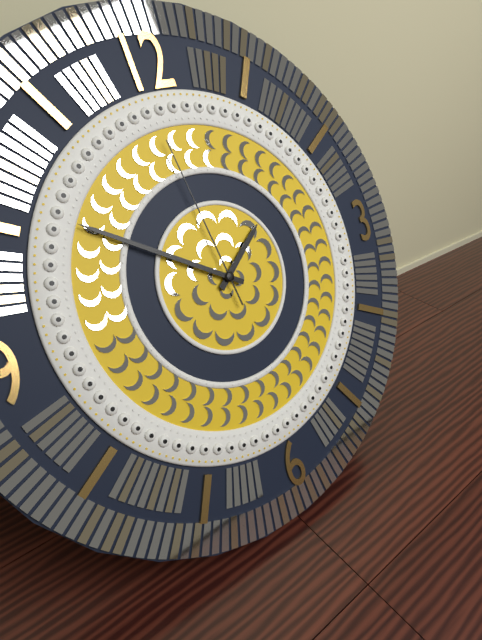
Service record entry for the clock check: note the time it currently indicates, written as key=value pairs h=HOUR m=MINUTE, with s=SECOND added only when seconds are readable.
h=1 m=51 s=59
